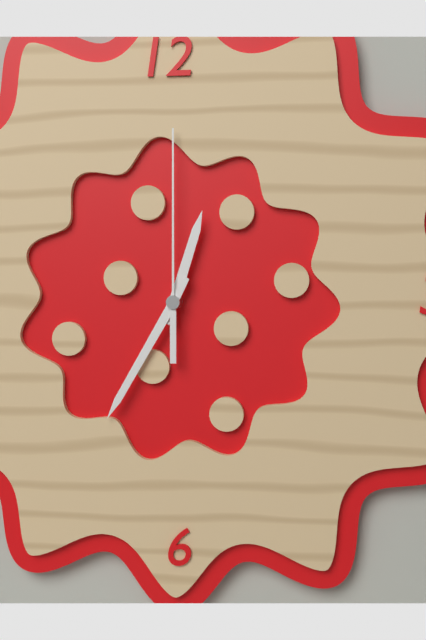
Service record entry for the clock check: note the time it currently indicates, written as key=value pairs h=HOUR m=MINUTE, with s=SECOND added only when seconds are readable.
h=12 m=35 s=0
